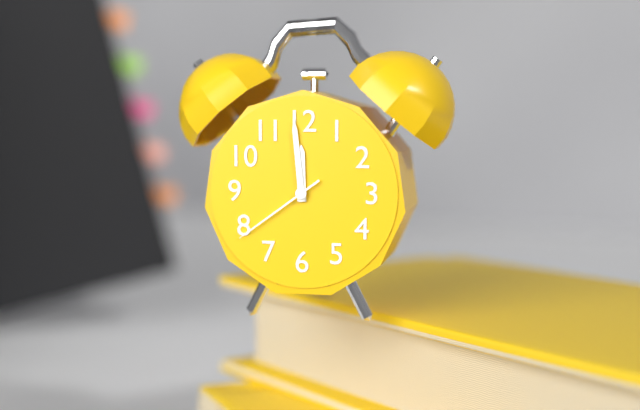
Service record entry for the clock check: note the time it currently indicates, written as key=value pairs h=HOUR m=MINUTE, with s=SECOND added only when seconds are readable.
h=11 m=59 s=39
